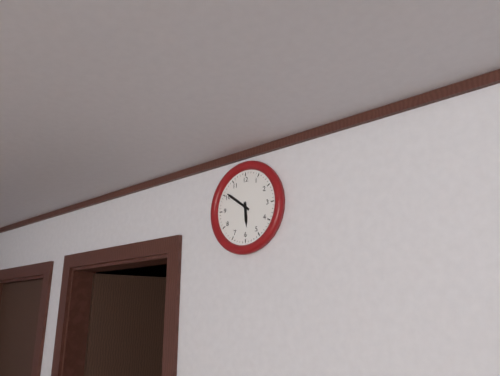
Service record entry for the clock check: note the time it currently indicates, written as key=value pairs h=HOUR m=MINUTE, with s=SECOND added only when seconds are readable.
h=5 m=51
